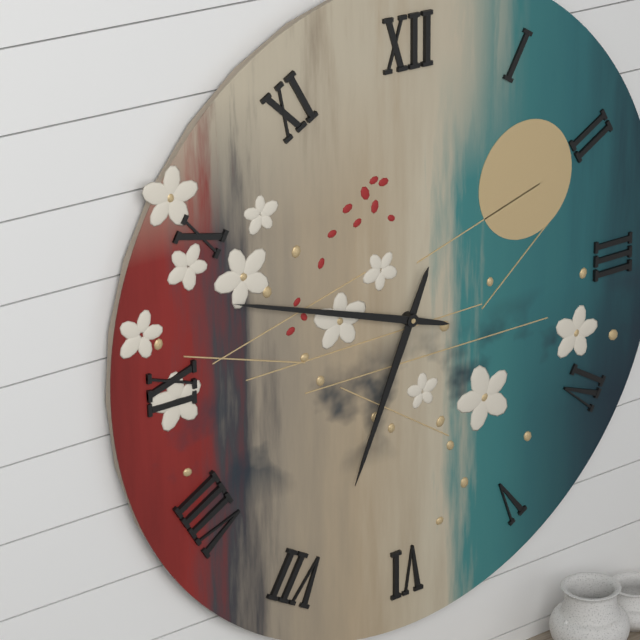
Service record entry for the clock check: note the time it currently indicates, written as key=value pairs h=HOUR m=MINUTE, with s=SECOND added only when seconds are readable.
h=6 m=48
